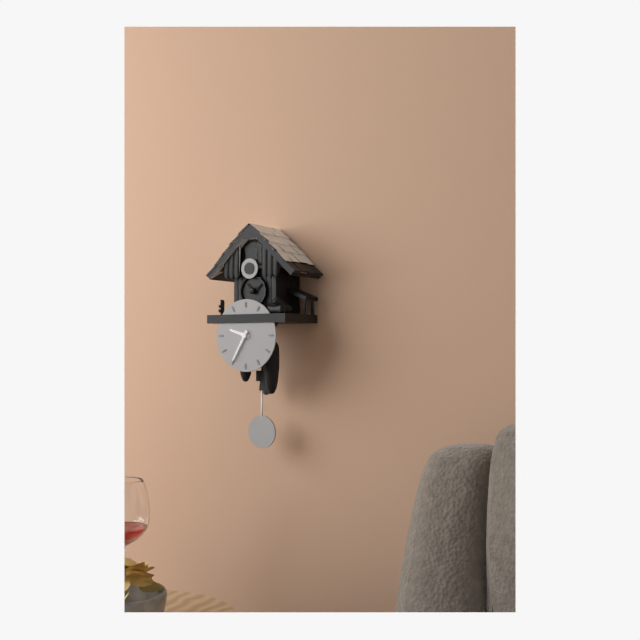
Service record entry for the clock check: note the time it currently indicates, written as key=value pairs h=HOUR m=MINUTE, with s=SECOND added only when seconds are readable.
h=9 m=35
